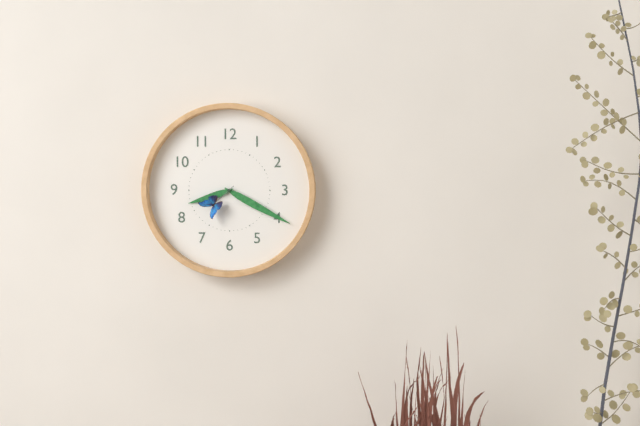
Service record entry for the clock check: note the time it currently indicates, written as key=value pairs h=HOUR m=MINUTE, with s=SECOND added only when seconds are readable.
h=8 m=20
